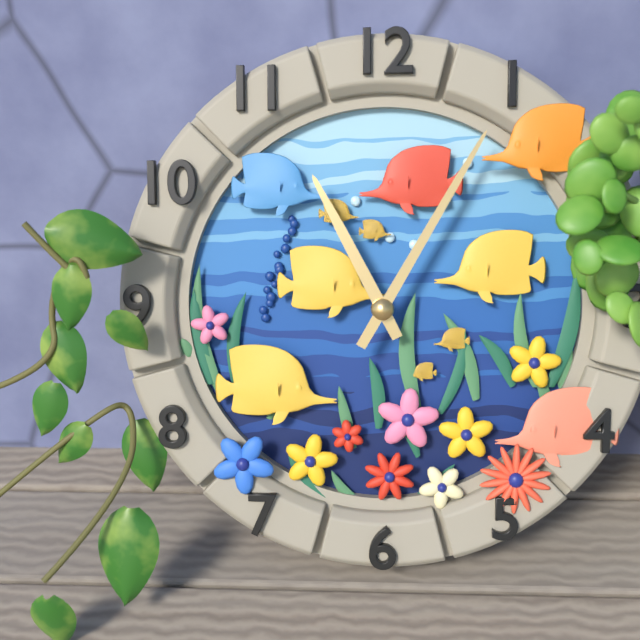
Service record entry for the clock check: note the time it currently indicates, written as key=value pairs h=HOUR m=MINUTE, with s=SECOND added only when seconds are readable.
h=11 m=5
